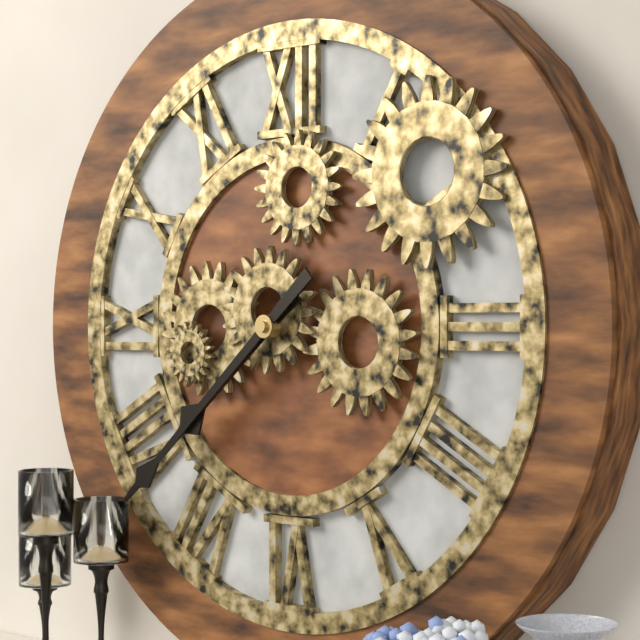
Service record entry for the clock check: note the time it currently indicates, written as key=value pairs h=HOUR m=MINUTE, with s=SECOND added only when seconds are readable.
h=7 m=38
